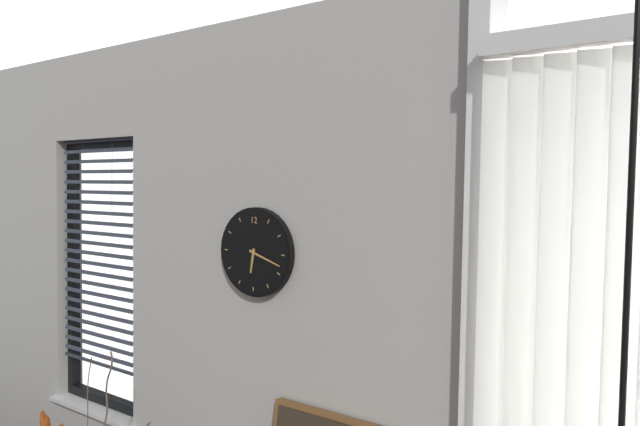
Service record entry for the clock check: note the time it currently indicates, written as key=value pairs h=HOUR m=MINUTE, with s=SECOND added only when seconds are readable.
h=6 m=18
